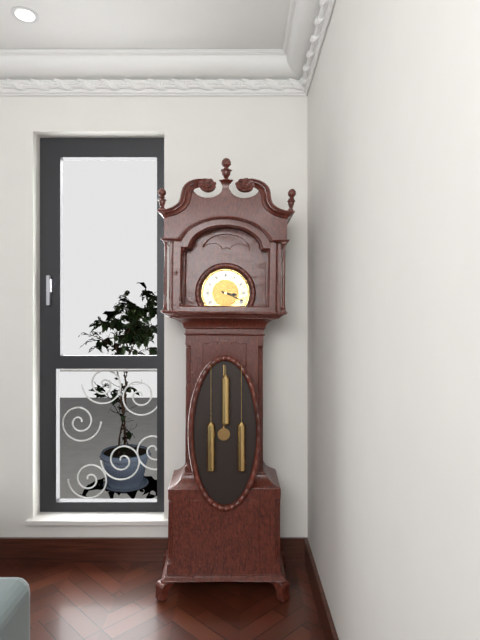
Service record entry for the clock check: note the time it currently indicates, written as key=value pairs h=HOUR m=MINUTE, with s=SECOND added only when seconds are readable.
h=3 m=19
